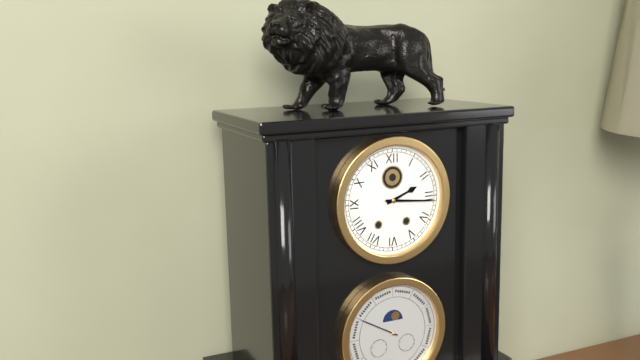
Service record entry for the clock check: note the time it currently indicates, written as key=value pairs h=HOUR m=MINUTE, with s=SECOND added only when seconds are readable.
h=2 m=16
